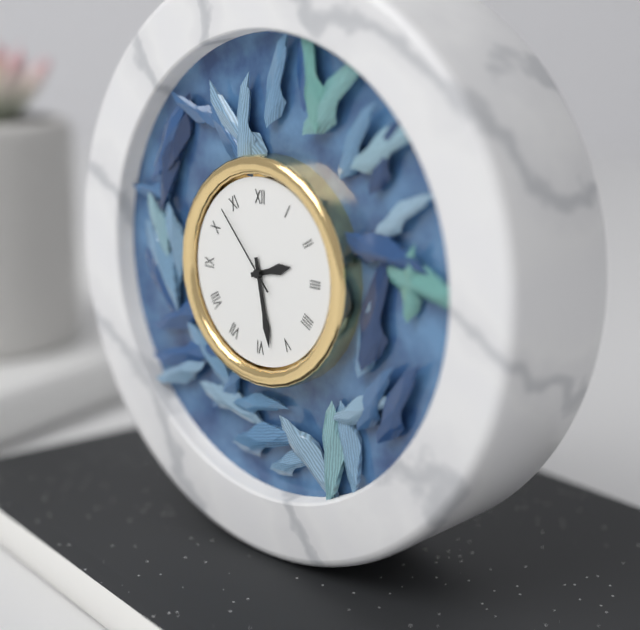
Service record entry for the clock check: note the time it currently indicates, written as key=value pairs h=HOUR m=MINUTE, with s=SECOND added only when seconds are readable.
h=2 m=28 s=53
